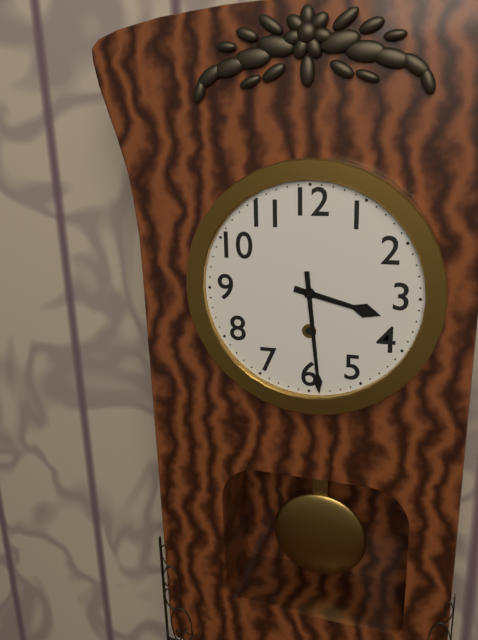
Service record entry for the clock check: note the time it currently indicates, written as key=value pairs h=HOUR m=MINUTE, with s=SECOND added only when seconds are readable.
h=3 m=29
